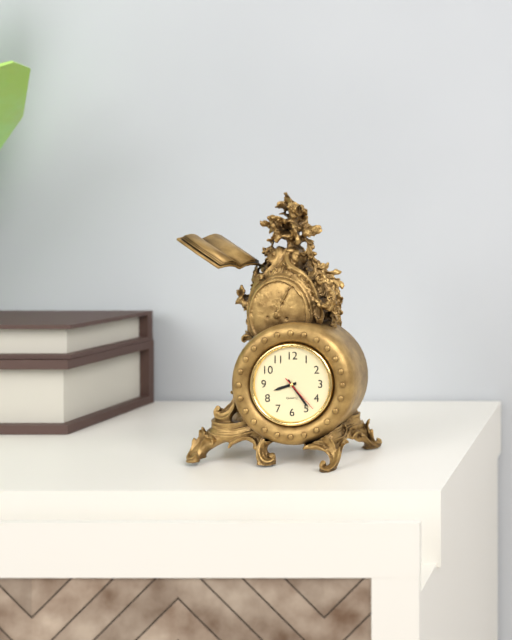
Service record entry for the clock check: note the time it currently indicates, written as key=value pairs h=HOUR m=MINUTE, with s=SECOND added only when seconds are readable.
h=8 m=24
